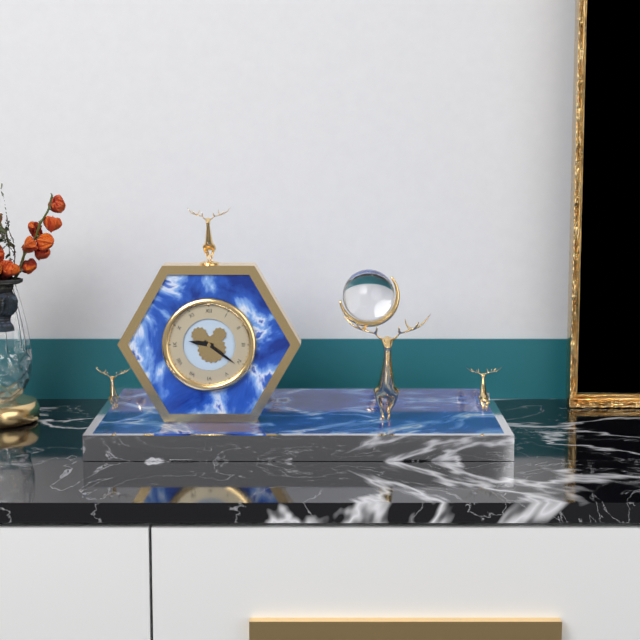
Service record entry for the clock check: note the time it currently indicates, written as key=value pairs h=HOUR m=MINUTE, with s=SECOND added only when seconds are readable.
h=9 m=21
